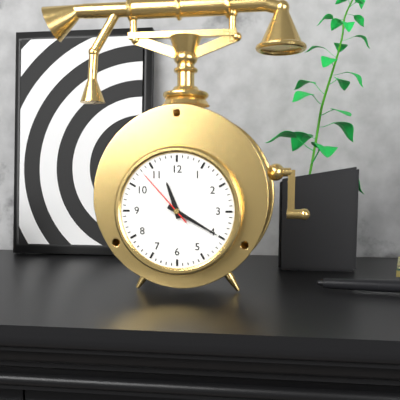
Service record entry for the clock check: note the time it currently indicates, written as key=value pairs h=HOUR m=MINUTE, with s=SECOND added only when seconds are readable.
h=11 m=20 s=53
